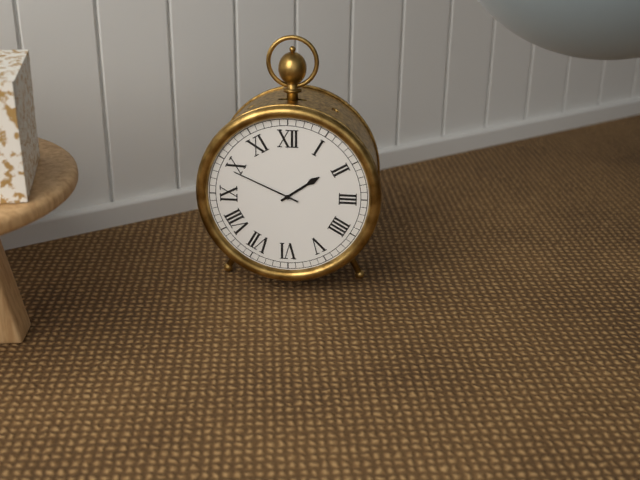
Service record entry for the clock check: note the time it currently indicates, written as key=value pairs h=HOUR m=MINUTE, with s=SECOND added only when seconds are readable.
h=1 m=49
